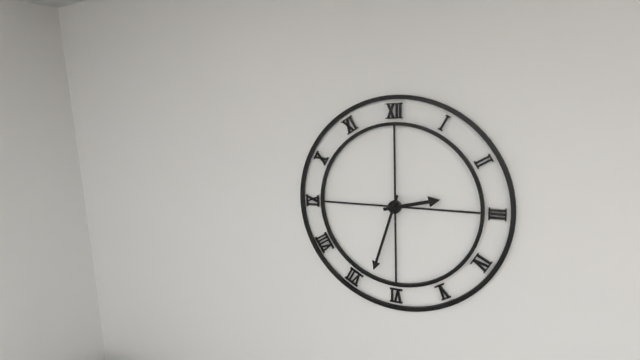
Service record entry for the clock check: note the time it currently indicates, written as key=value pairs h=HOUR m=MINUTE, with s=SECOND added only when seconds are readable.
h=2 m=33
